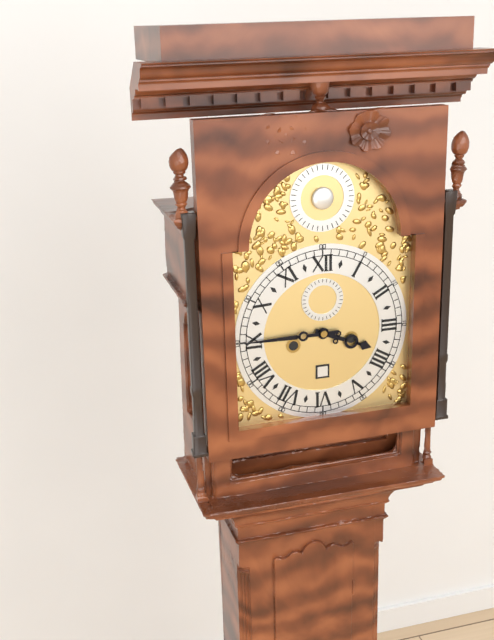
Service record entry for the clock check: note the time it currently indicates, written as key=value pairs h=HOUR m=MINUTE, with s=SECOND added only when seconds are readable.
h=3 m=45
